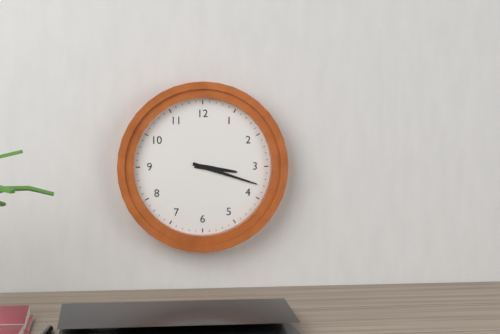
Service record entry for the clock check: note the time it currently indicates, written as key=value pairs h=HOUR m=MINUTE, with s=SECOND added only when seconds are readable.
h=3 m=18
